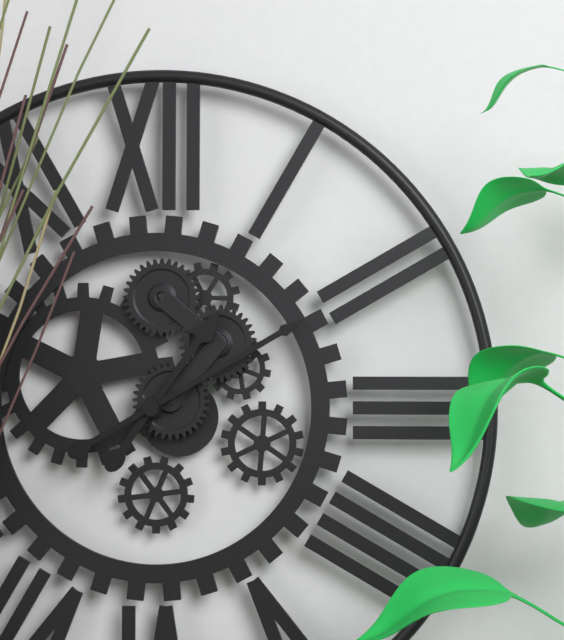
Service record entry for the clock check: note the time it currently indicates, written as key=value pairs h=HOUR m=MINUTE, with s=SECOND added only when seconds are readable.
h=1 m=10
